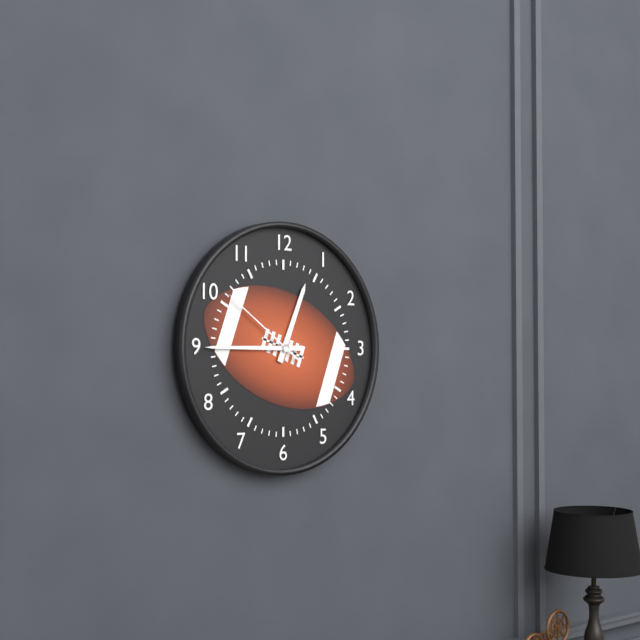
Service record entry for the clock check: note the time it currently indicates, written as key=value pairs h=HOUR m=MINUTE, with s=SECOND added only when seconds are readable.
h=12 m=45 s=51
